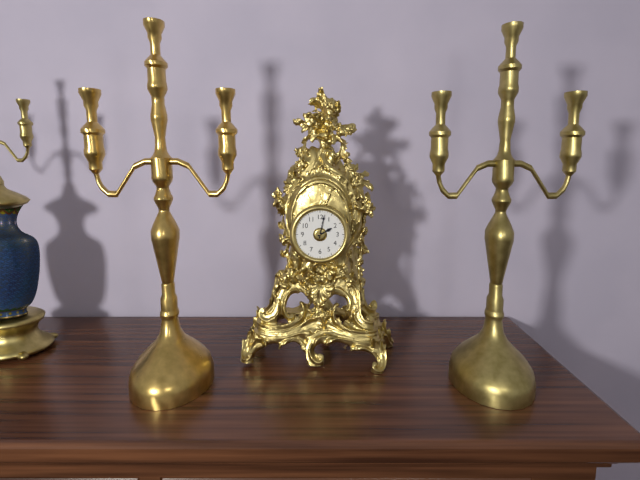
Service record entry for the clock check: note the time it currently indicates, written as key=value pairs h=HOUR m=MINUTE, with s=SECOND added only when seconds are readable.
h=2 m=2
